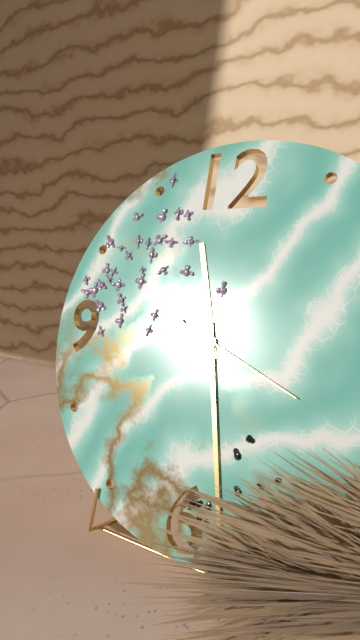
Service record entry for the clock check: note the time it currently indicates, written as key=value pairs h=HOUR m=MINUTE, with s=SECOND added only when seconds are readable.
h=11 m=28 s=19
